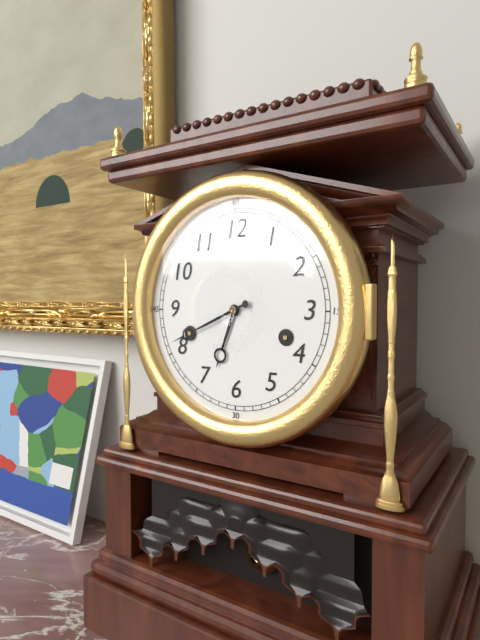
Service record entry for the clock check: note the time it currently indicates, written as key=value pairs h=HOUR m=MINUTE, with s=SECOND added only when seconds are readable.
h=6 m=41
